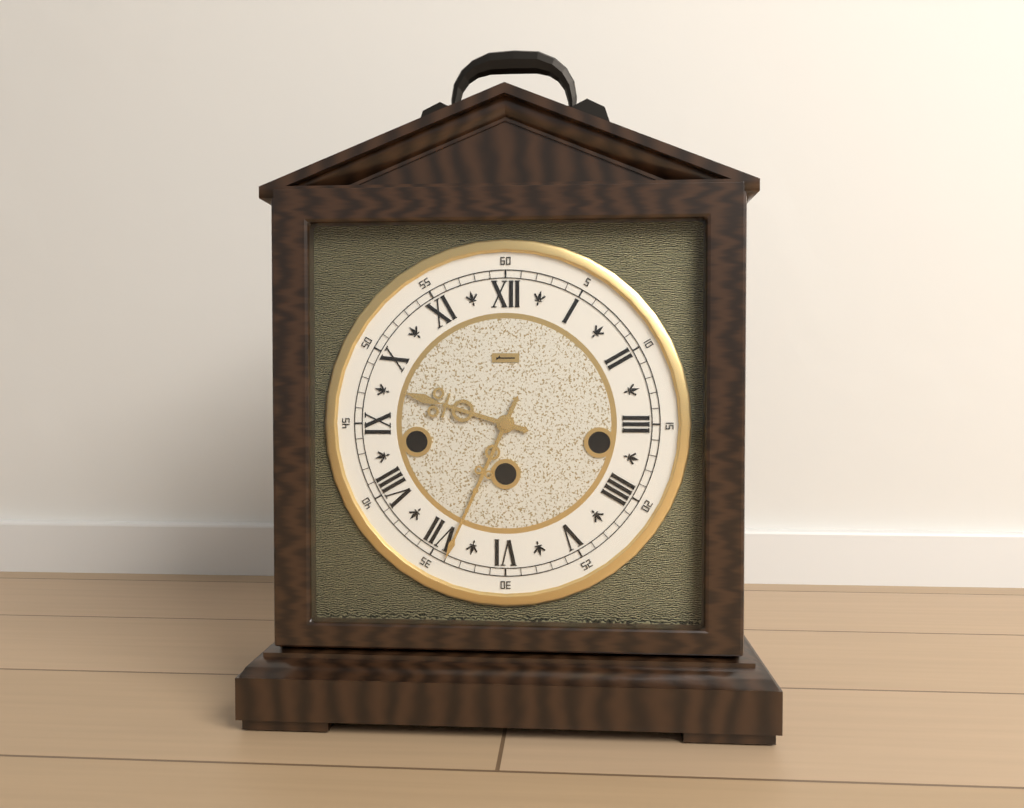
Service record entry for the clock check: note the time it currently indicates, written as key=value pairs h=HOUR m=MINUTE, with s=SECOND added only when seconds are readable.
h=9 m=34
